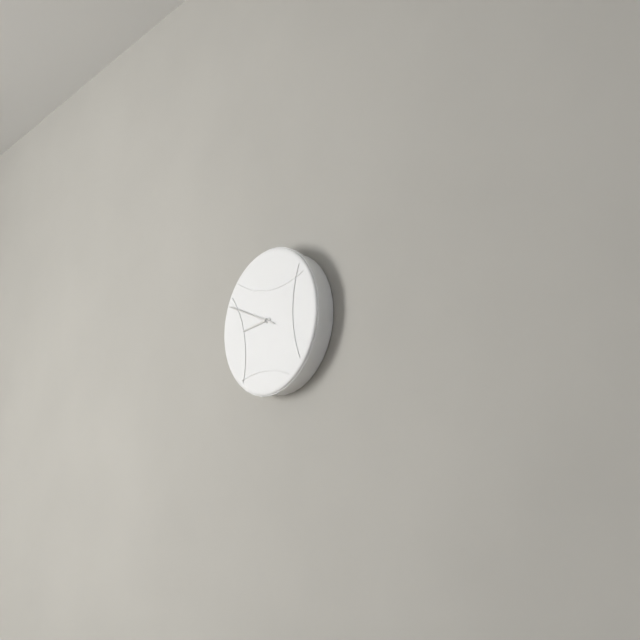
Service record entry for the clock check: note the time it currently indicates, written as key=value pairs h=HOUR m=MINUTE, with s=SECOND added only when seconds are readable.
h=8 m=49
